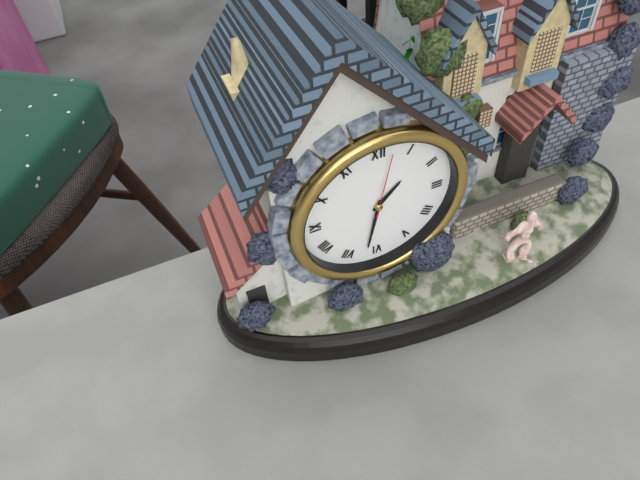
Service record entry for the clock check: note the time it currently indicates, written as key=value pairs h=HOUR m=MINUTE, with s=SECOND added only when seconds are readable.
h=1 m=32 s=2
